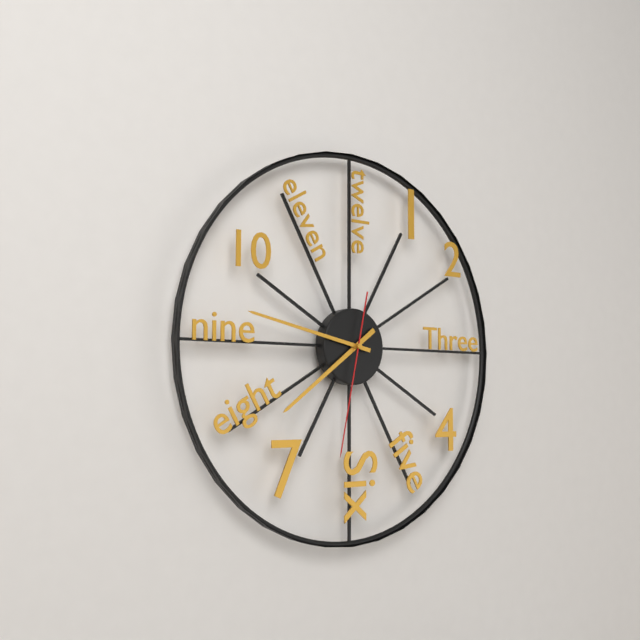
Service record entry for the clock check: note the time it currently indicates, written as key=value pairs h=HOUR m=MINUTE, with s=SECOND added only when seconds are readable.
h=7 m=47 s=32
